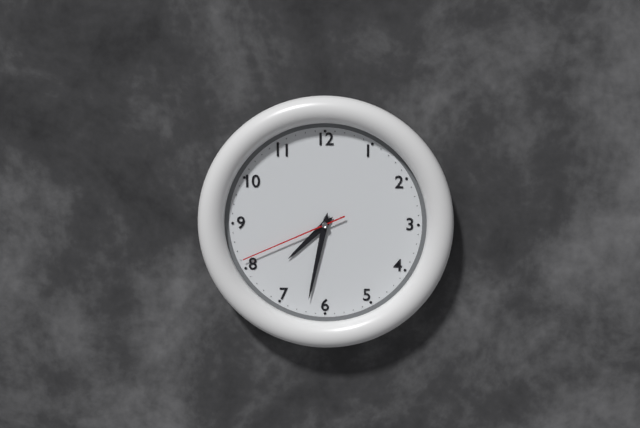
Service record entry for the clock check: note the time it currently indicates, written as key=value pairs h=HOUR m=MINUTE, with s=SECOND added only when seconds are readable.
h=7 m=32 s=41
